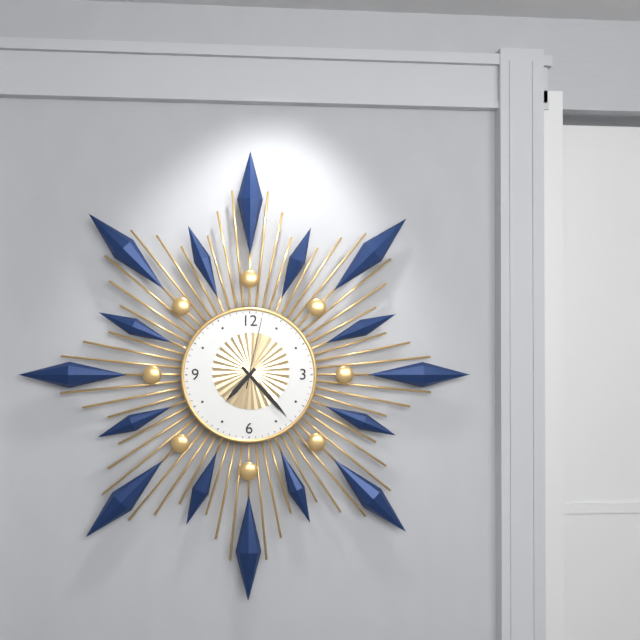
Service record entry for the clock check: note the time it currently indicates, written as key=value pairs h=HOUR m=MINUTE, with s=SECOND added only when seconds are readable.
h=7 m=23 s=2
